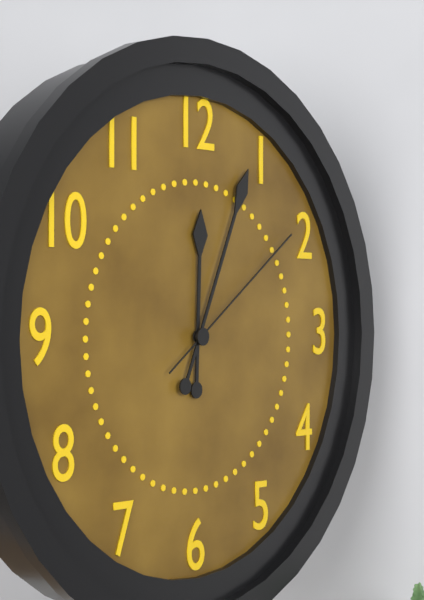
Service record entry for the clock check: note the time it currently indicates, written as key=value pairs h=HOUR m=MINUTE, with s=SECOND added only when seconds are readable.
h=12 m=4 s=9
